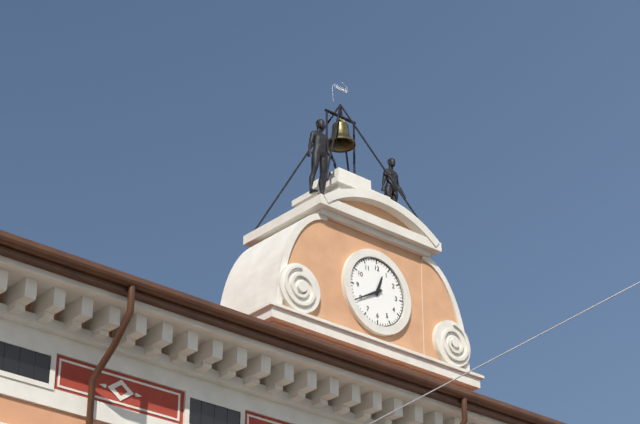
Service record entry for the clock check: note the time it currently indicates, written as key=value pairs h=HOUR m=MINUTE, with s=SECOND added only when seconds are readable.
h=12 m=40
